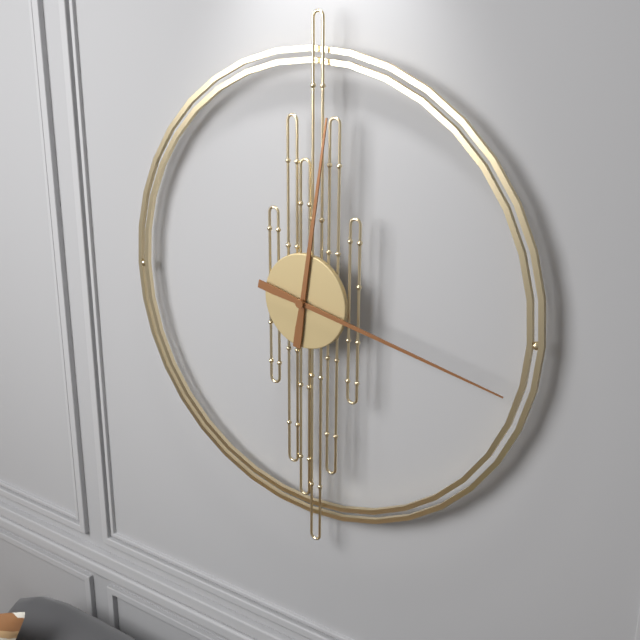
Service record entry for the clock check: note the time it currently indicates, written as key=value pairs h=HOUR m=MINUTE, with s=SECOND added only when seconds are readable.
h=12 m=17
